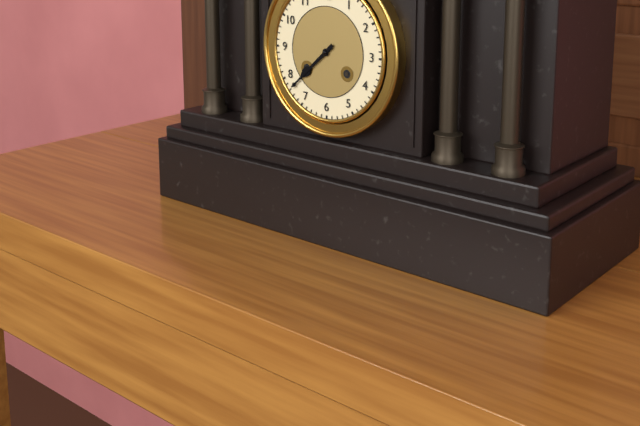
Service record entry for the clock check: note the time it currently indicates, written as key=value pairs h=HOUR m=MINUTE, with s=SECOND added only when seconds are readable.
h=7 m=38
